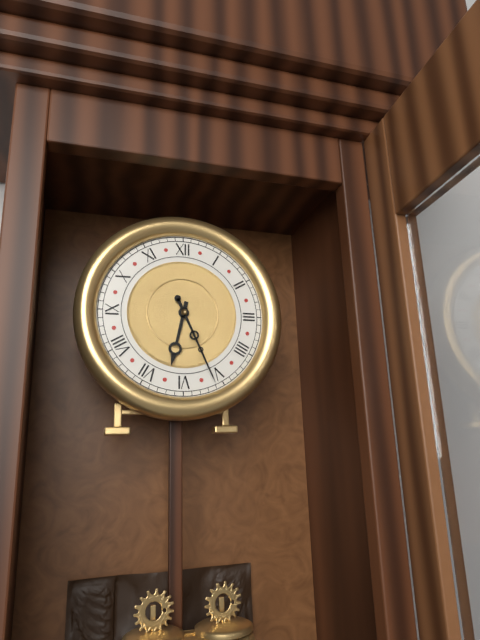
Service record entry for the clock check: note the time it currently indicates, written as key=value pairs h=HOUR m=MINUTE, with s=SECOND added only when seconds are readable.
h=6 m=26
